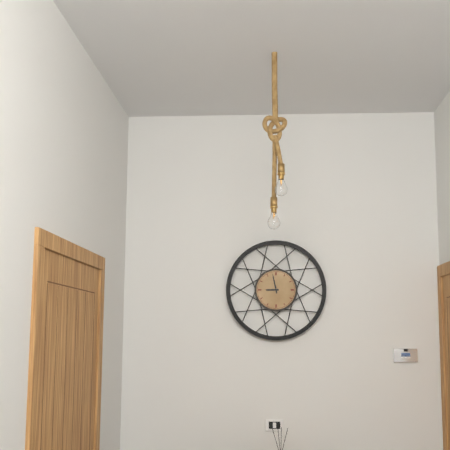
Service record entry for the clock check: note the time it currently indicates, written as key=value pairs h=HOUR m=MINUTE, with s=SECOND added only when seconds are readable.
h=8 m=58
